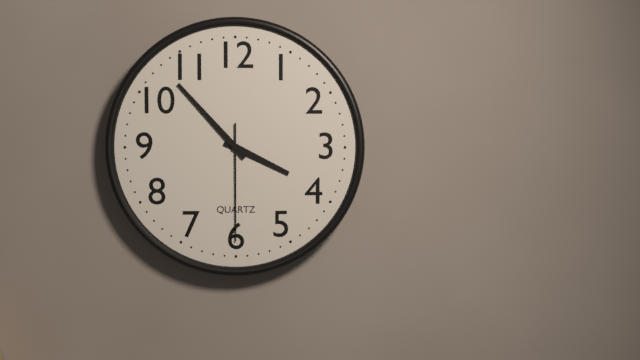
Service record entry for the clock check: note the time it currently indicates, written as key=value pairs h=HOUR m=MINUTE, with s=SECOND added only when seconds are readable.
h=3 m=53 s=30
